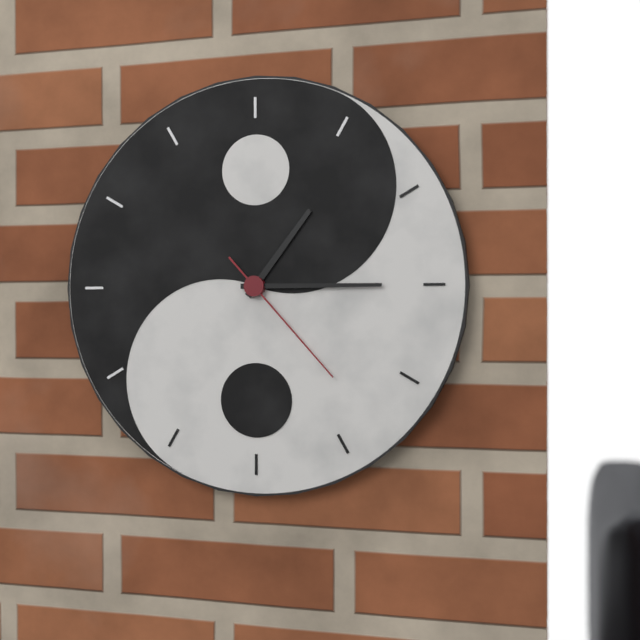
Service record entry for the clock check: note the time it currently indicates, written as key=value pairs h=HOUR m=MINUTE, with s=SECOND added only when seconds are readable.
h=1 m=15 s=23
